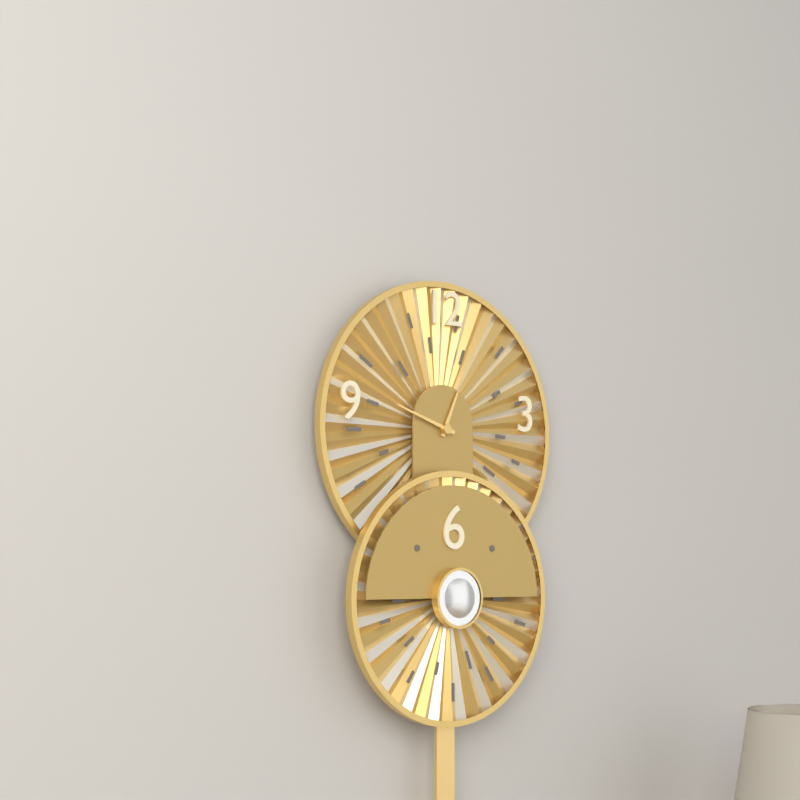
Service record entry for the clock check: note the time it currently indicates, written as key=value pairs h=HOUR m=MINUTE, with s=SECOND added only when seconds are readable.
h=12 m=48
